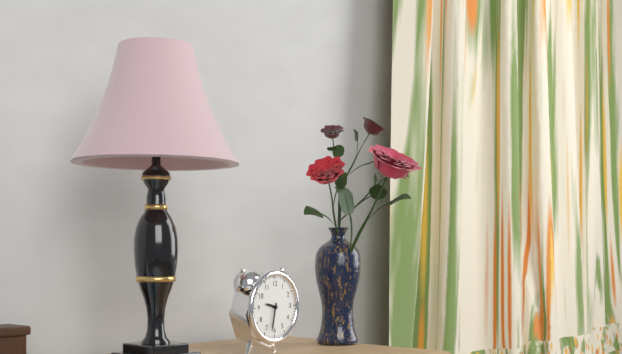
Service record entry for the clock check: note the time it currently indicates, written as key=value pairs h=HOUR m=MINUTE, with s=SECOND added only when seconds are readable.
h=9 m=32
